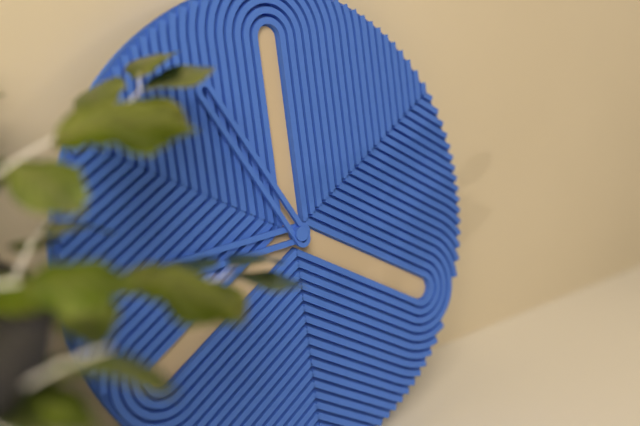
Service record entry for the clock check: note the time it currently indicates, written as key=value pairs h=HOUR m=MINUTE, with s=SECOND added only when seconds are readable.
h=8 m=55
